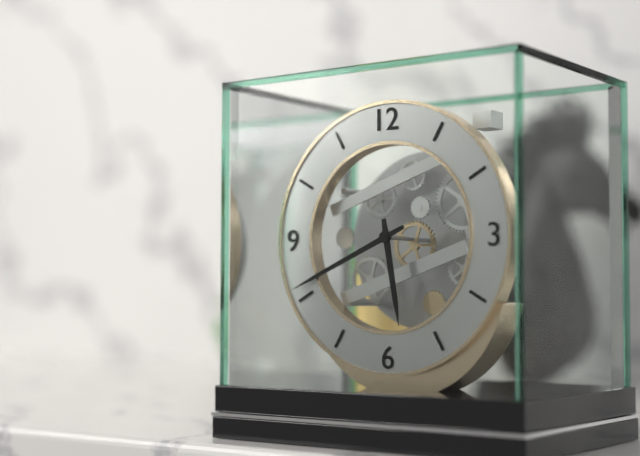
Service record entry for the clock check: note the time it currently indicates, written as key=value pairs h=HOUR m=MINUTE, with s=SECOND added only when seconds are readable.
h=5 m=41
